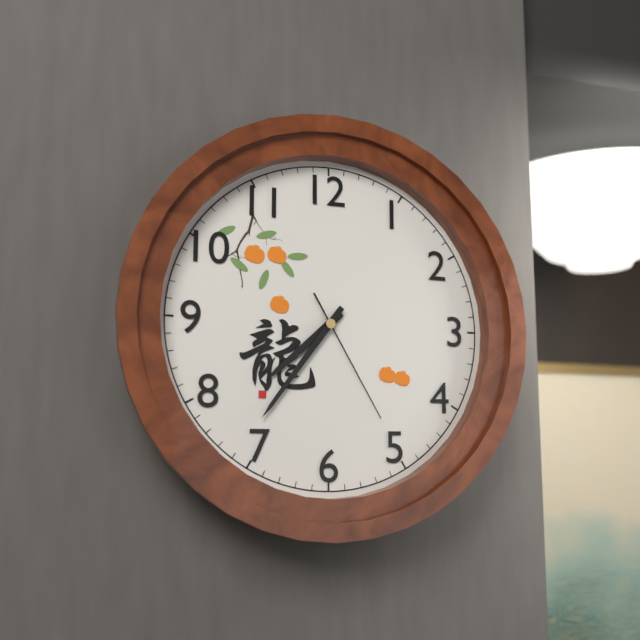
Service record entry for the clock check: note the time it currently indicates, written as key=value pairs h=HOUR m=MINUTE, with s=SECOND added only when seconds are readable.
h=7 m=36 s=25
